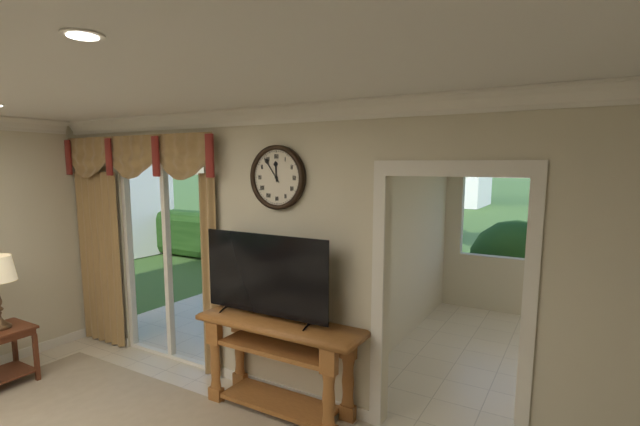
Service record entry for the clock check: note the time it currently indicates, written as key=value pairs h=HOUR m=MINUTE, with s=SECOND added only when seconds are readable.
h=11 m=54
